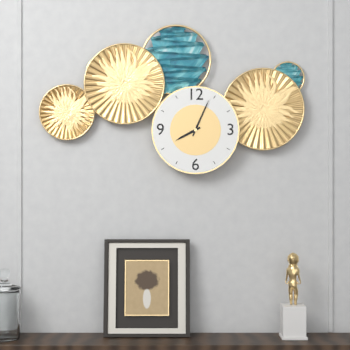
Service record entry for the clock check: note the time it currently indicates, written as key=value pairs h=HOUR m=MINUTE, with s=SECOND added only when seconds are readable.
h=8 m=4
